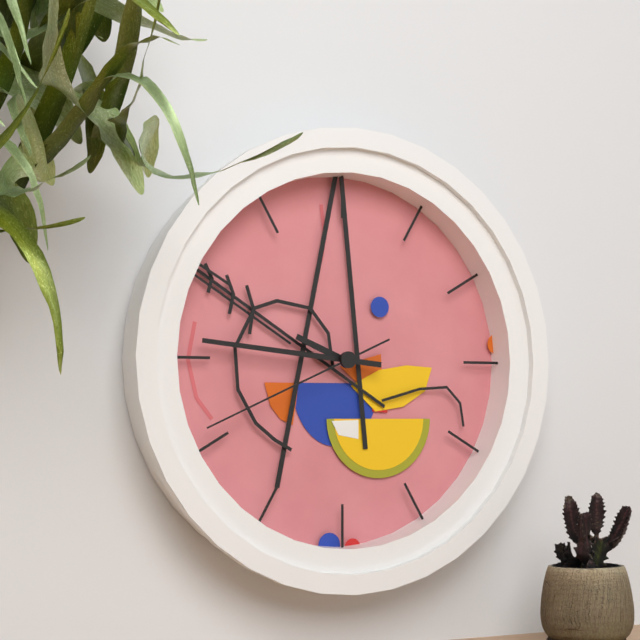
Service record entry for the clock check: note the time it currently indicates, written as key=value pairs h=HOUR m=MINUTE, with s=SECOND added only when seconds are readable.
h=9 m=46 s=41
